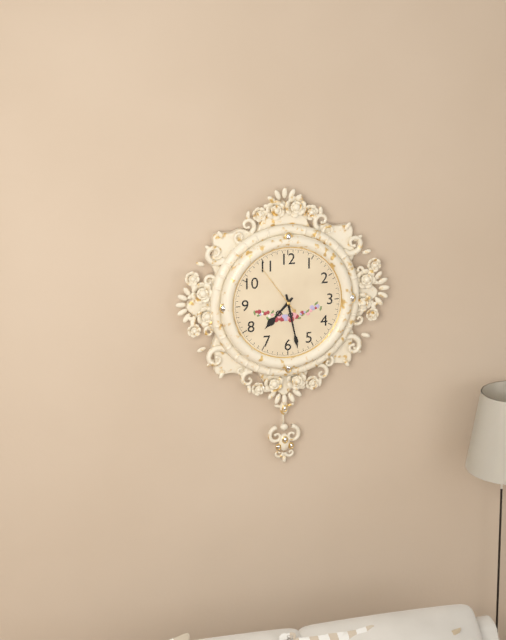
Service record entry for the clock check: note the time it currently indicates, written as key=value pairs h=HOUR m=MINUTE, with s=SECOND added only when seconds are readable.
h=7 m=28 s=54
